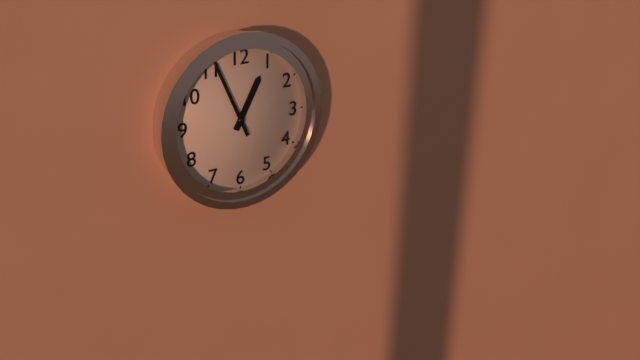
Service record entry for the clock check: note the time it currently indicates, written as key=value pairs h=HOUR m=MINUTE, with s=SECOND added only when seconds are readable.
h=12 m=56
